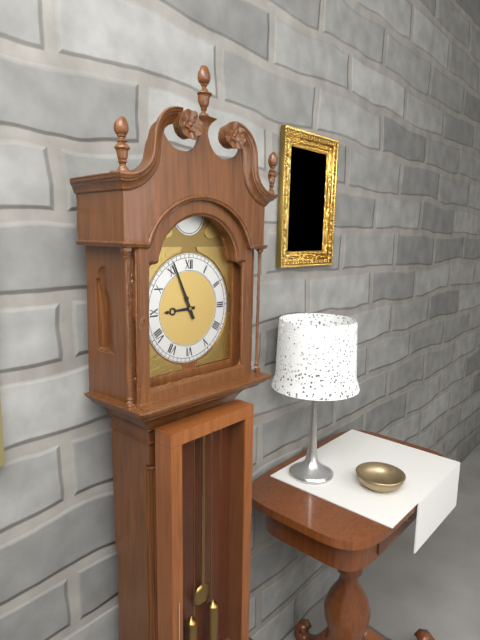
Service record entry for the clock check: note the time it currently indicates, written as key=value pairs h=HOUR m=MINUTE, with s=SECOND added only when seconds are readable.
h=8 m=56
